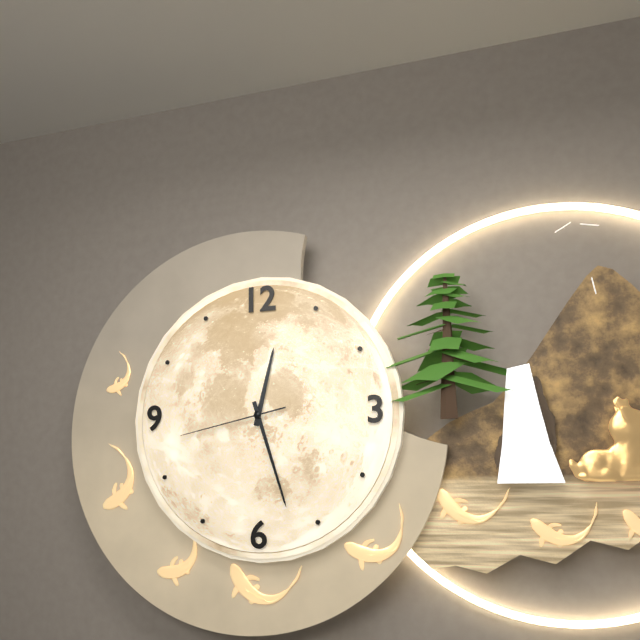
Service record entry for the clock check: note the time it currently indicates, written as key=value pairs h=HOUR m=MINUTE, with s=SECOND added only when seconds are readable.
h=12 m=27 s=43
